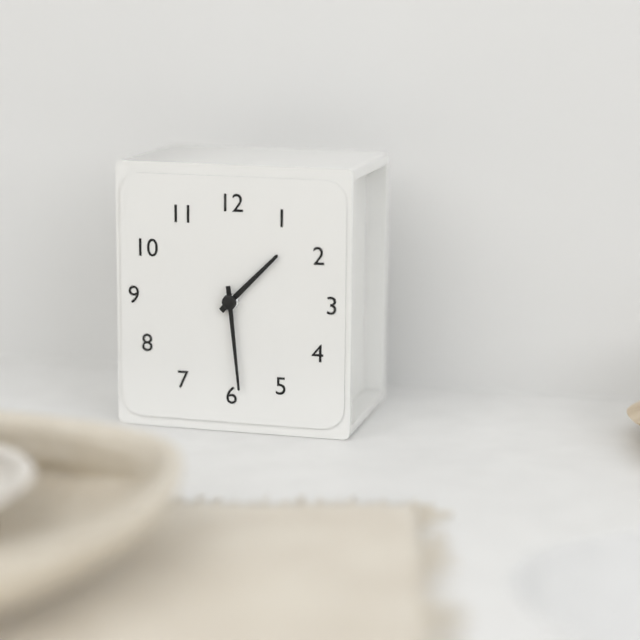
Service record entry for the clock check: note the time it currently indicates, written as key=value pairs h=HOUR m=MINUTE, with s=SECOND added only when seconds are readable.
h=1 m=29
